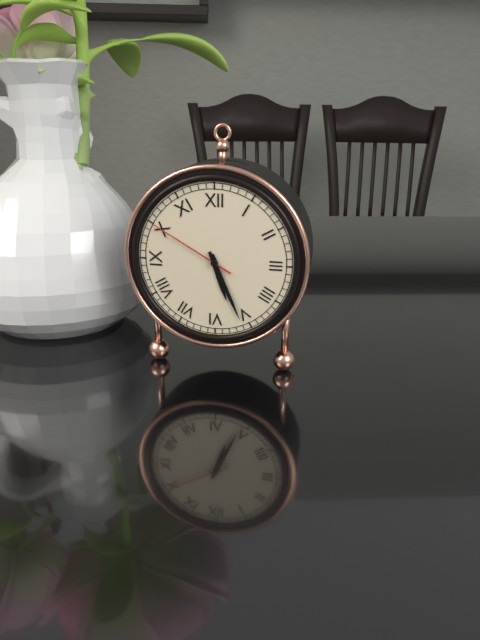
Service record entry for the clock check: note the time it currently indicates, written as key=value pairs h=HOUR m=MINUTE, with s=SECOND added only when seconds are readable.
h=5 m=26 s=50
